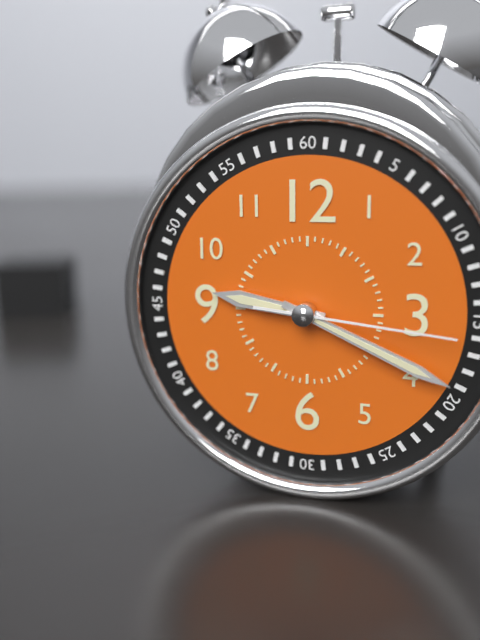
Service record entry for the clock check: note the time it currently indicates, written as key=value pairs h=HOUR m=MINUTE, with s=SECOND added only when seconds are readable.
h=9 m=19 s=16
